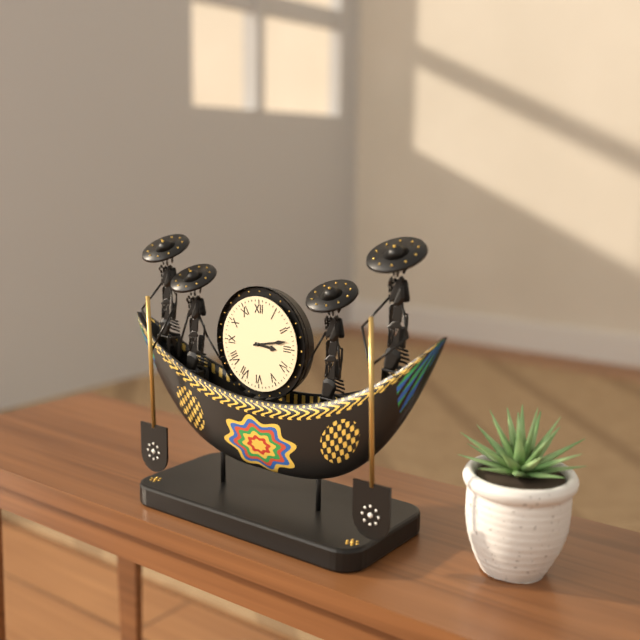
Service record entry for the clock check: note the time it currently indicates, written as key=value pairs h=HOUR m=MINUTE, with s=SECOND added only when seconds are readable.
h=3 m=13
